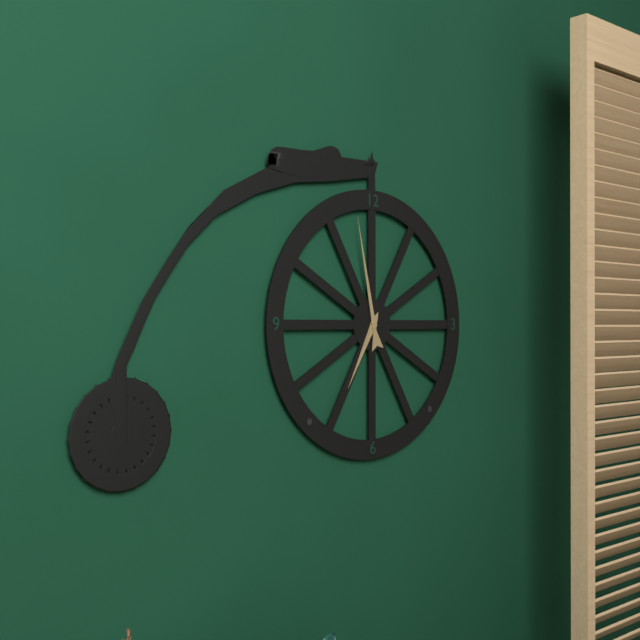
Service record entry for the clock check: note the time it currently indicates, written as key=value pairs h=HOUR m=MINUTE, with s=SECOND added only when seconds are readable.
h=6 m=58
